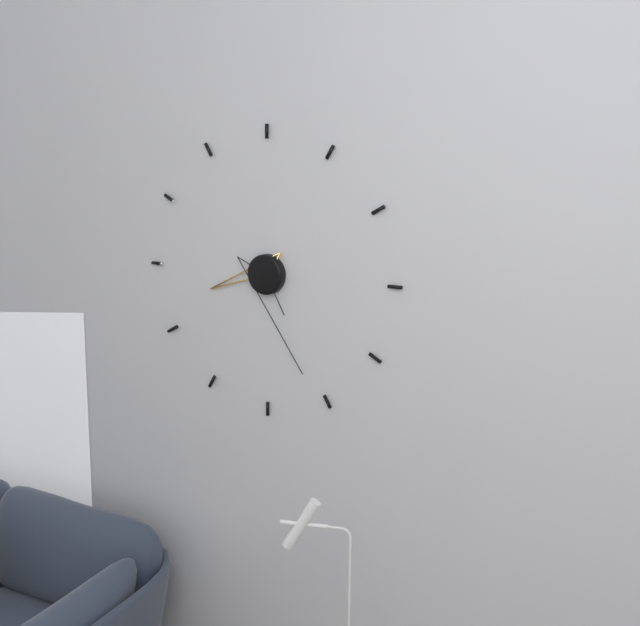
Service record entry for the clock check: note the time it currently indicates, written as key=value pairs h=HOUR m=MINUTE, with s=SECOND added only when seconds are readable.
h=8 m=26
